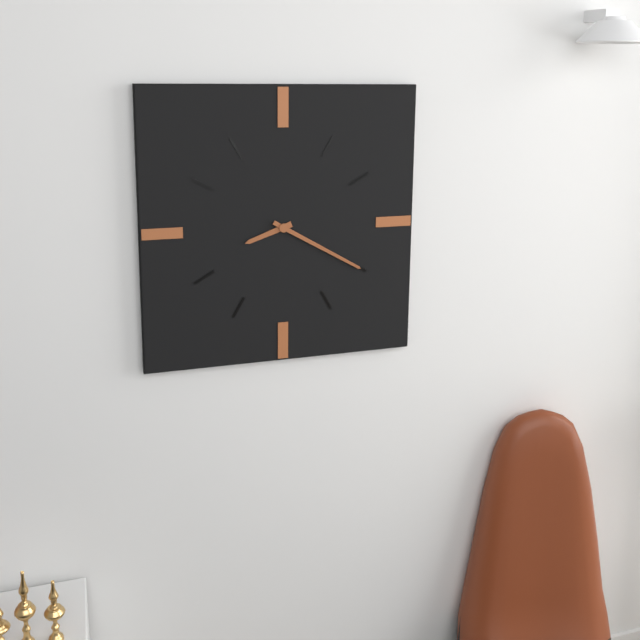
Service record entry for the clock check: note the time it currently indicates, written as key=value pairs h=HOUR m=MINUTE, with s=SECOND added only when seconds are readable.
h=8 m=20
